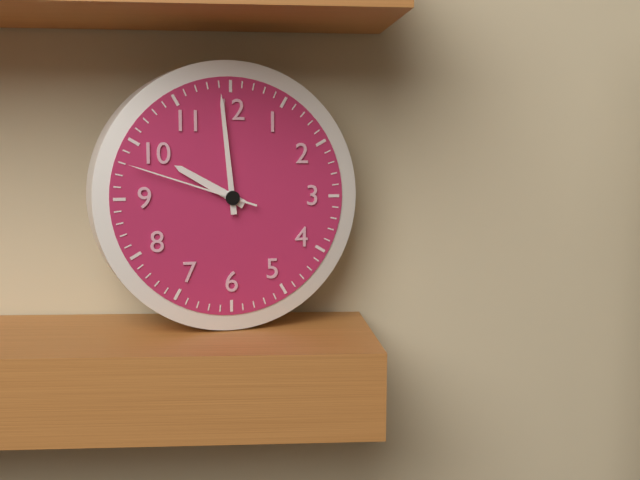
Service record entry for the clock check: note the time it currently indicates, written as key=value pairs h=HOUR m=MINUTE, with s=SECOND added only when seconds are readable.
h=9 m=59 s=48
